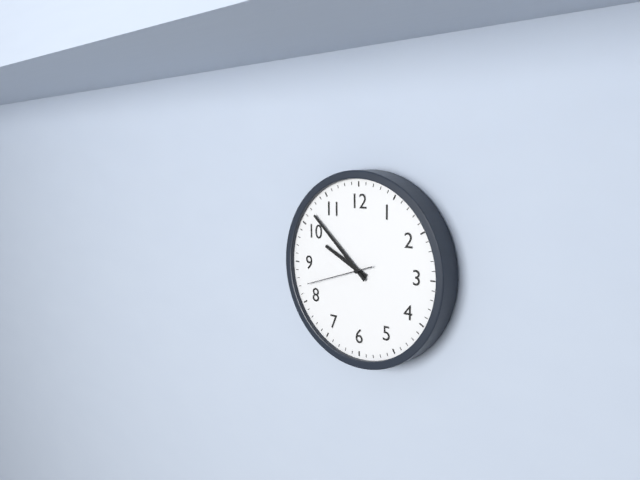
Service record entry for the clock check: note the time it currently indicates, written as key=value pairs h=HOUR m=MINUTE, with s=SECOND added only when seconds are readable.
h=9 m=52 s=42
